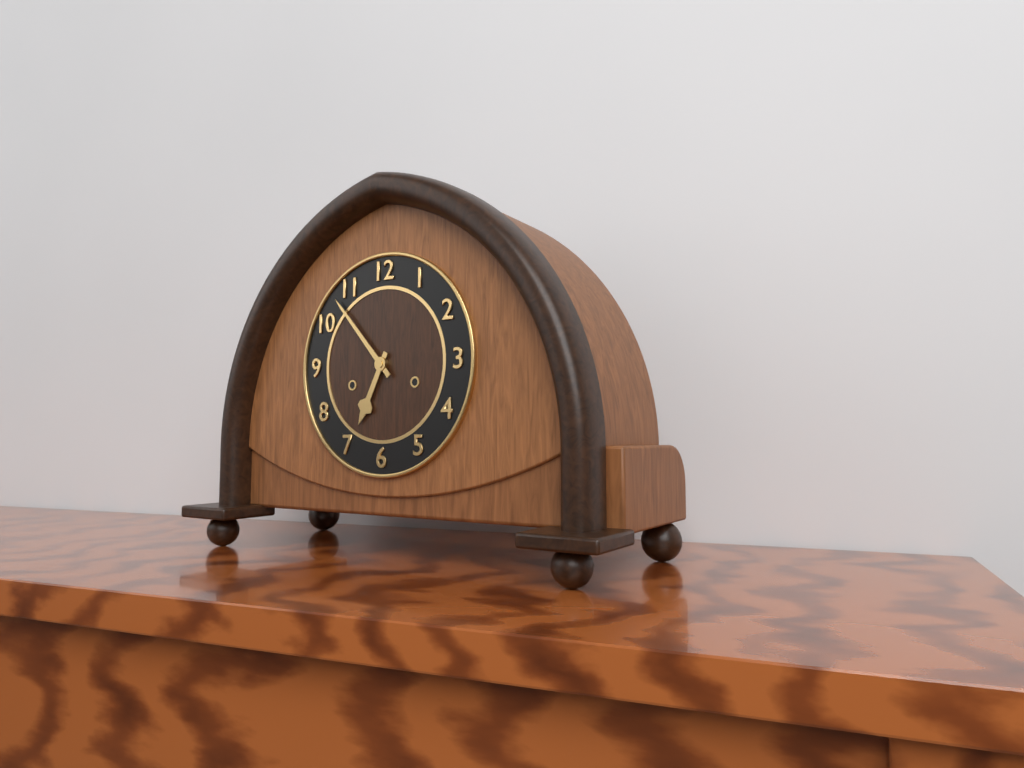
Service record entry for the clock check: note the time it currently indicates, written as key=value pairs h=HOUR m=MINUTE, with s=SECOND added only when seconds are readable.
h=6 m=53
